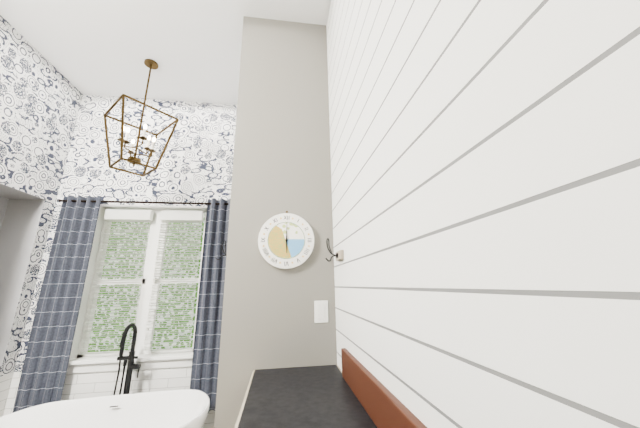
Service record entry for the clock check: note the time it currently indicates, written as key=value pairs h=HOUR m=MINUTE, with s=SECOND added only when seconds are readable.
h=6 m=0
